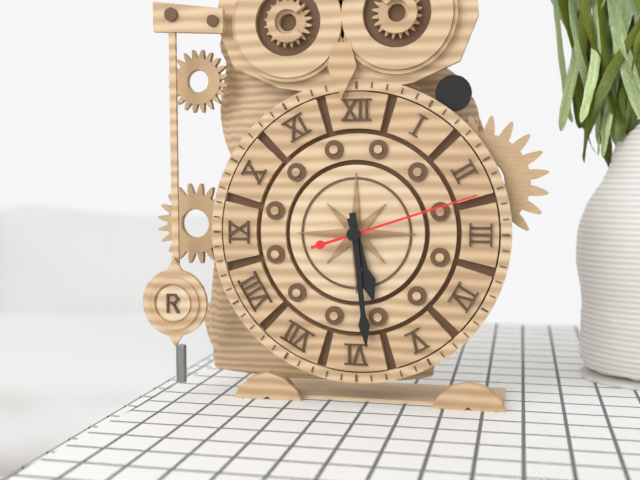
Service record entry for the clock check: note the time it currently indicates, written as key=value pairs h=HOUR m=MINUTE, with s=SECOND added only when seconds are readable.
h=5 m=29 s=12
